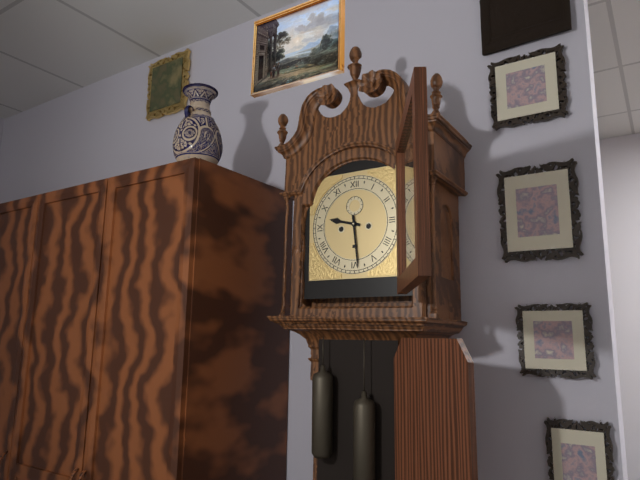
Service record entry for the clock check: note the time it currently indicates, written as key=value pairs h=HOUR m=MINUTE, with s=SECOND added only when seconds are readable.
h=9 m=29
